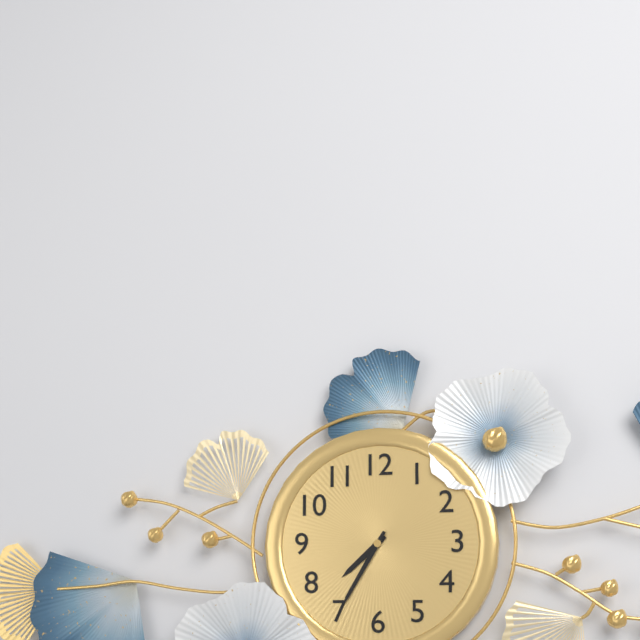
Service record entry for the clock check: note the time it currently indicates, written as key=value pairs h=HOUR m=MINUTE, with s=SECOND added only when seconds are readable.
h=7 m=35
